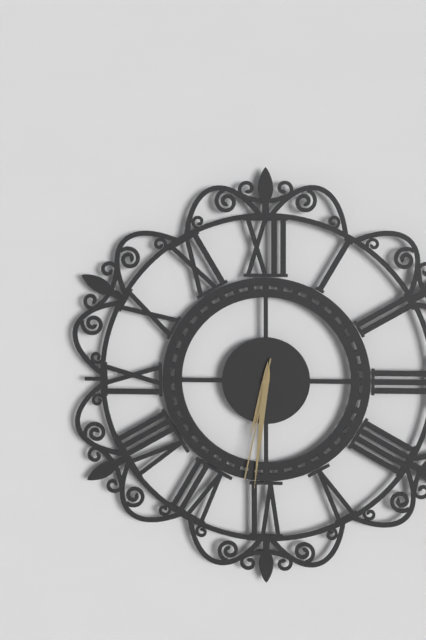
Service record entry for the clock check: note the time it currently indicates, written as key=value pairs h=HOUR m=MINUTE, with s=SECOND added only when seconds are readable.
h=6 m=31 s=32
